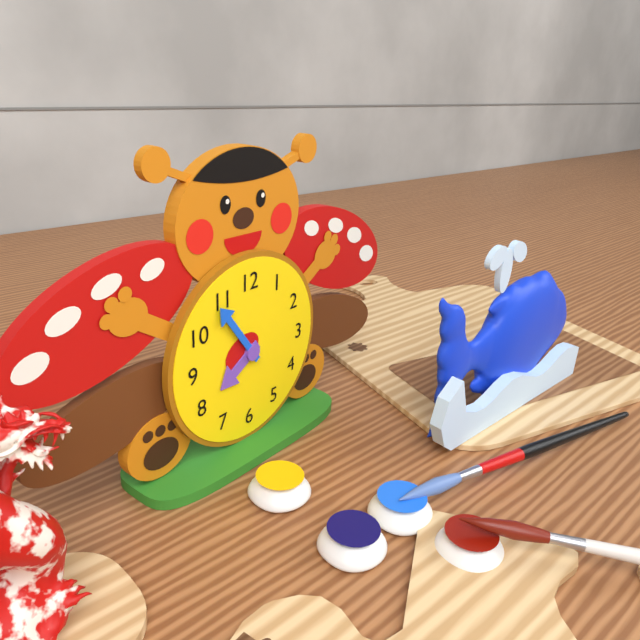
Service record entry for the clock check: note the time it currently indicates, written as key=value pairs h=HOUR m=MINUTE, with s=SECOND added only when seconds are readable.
h=7 m=54
